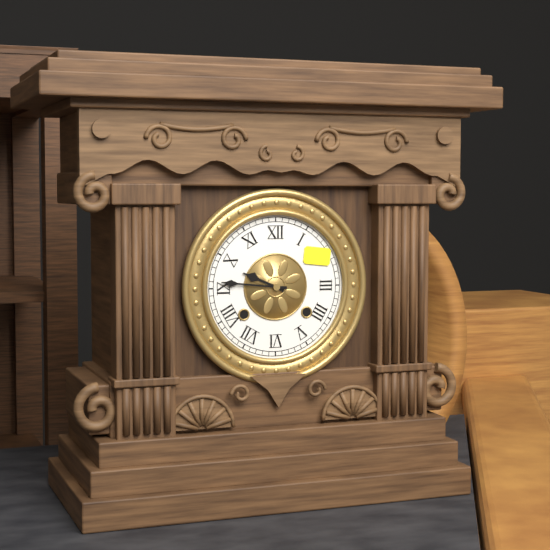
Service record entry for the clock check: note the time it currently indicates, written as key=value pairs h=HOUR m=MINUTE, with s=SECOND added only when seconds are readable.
h=9 m=46
